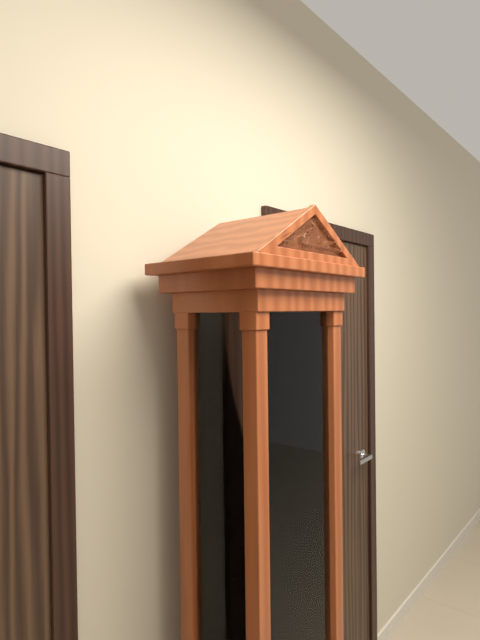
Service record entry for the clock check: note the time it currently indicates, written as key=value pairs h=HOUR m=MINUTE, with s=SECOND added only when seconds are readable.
h=8 m=32
